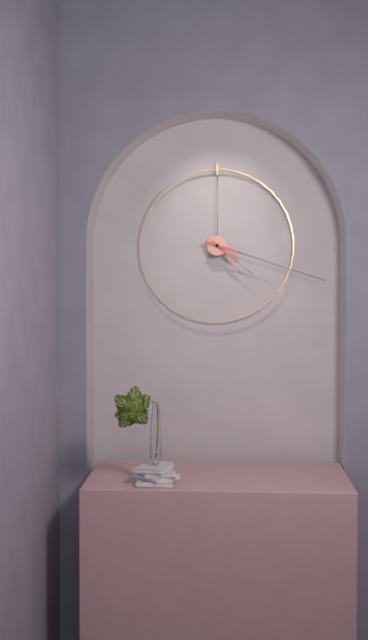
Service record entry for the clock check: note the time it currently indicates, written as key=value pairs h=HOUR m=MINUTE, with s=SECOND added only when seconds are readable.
h=4 m=18
